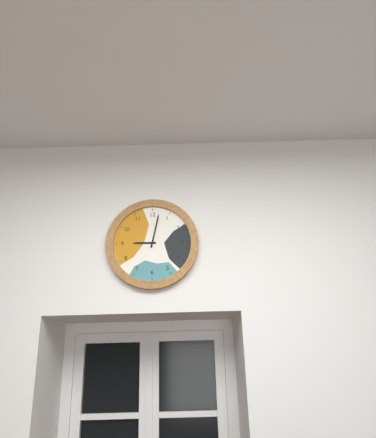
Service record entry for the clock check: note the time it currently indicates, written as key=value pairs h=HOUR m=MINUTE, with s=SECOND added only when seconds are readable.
h=9 m=2
